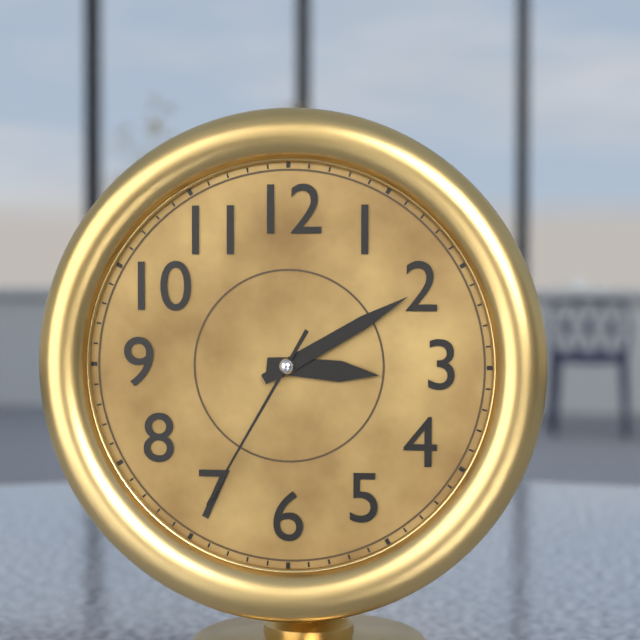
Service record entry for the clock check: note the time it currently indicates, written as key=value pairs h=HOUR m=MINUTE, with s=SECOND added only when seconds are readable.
h=3 m=10 s=35
